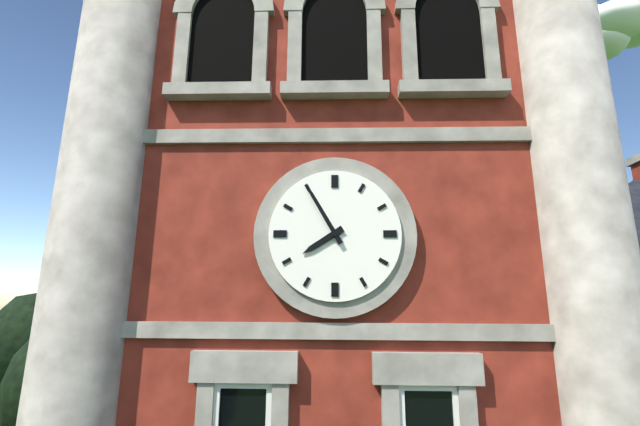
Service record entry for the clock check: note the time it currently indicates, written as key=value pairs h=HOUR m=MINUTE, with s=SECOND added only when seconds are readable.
h=7 m=55
